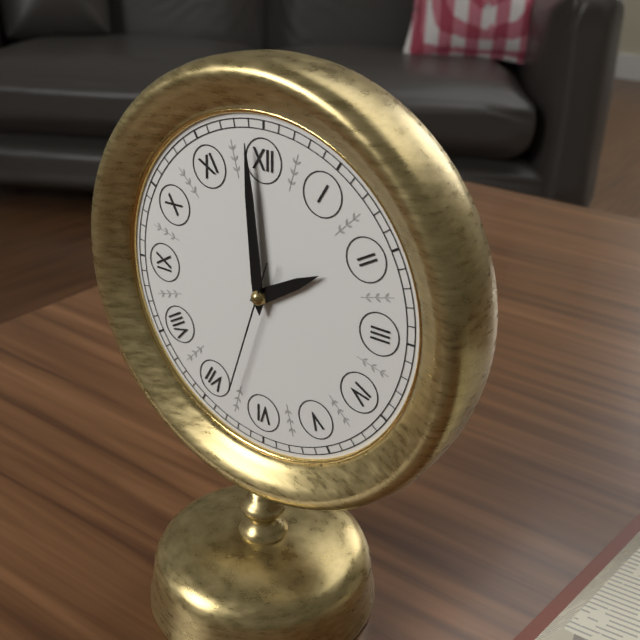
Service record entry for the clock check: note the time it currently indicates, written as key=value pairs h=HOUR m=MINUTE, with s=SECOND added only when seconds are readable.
h=1 m=59 s=33
